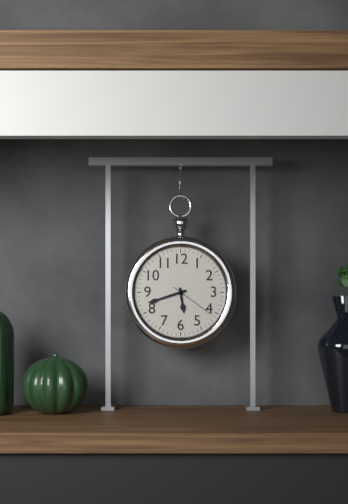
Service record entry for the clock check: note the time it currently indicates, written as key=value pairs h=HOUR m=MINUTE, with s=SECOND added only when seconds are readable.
h=5 m=42
